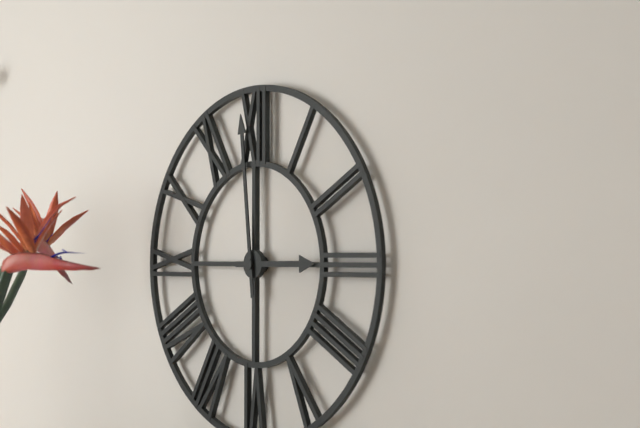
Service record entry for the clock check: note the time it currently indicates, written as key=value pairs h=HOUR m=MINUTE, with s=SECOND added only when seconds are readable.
h=2 m=59
